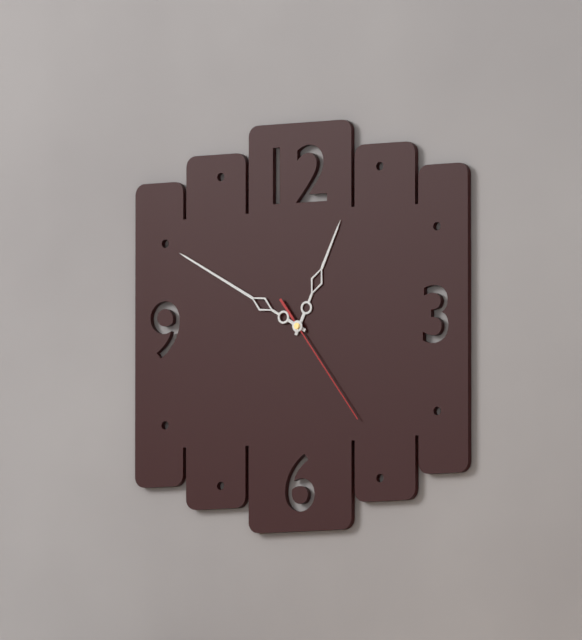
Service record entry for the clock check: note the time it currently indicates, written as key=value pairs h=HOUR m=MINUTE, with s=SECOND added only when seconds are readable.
h=12 m=50 s=24
